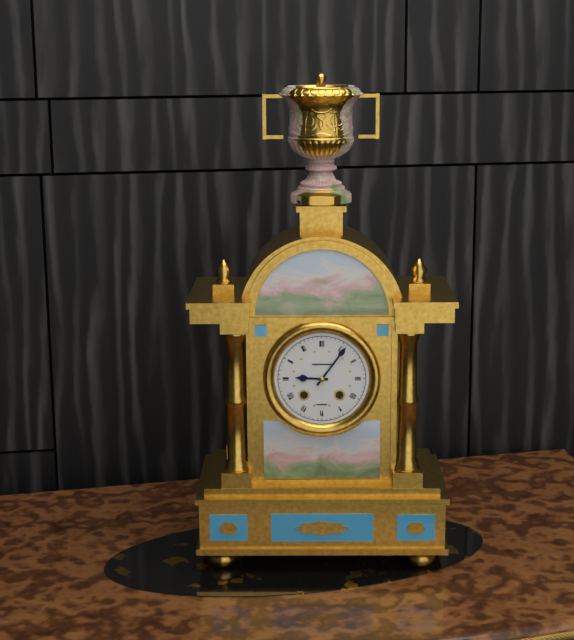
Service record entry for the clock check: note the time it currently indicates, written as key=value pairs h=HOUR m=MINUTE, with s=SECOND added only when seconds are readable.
h=9 m=6
